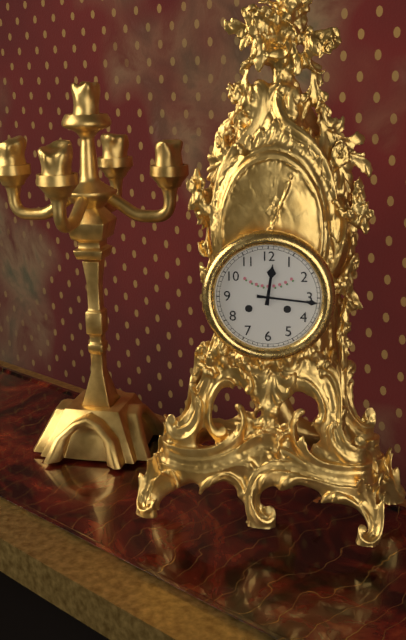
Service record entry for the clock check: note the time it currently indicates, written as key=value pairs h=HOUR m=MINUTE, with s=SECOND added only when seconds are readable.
h=12 m=16
